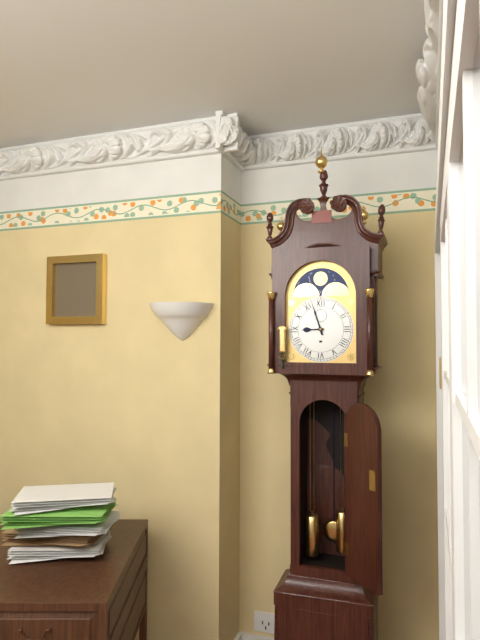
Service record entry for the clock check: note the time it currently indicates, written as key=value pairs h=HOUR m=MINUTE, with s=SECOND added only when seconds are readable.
h=8 m=57
